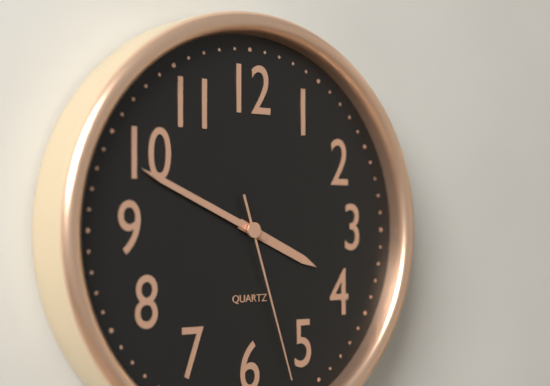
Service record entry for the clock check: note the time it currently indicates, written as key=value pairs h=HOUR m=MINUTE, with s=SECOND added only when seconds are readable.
h=3 m=49 s=27
